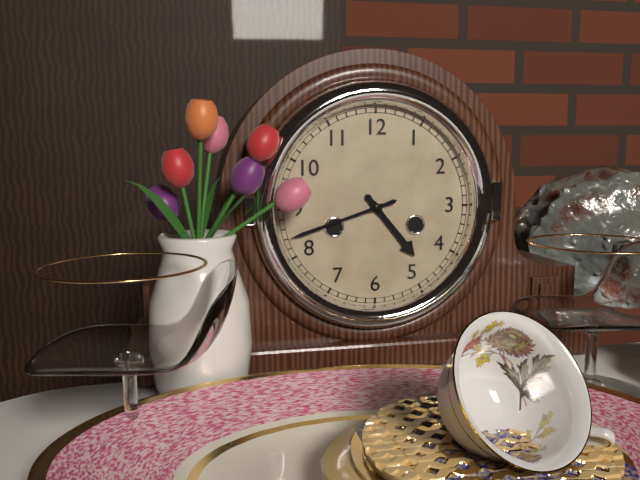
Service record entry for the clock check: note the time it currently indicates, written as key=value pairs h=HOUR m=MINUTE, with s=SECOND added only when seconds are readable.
h=4 m=42
